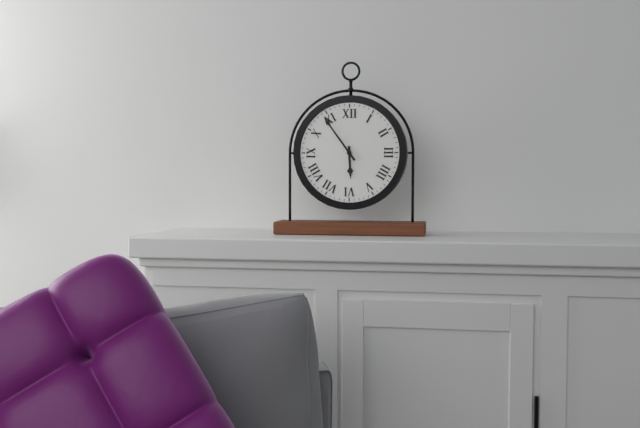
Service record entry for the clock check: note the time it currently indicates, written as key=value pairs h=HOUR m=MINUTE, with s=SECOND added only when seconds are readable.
h=5 m=54
